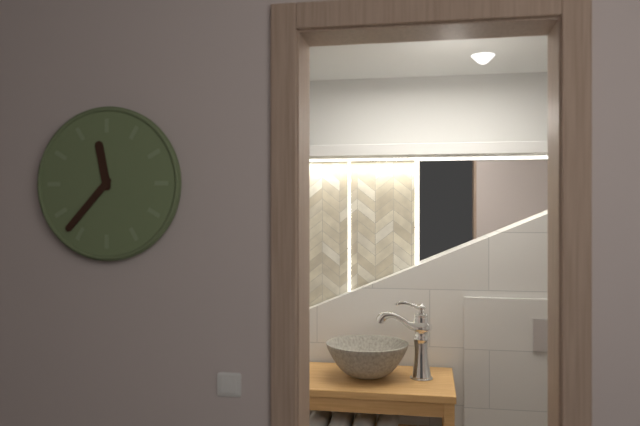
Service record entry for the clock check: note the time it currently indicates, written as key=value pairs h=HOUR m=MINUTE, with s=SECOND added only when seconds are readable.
h=11 m=37
